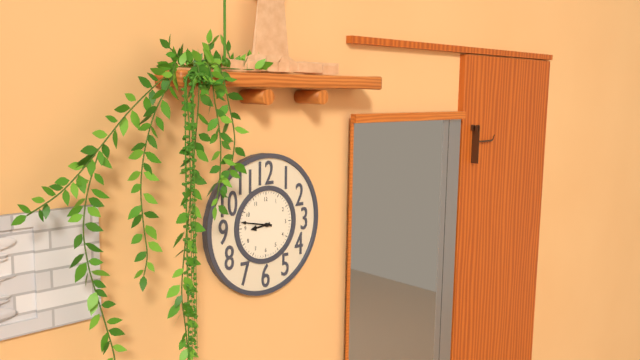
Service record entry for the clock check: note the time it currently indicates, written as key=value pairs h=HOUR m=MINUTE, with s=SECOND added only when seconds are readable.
h=8 m=47
